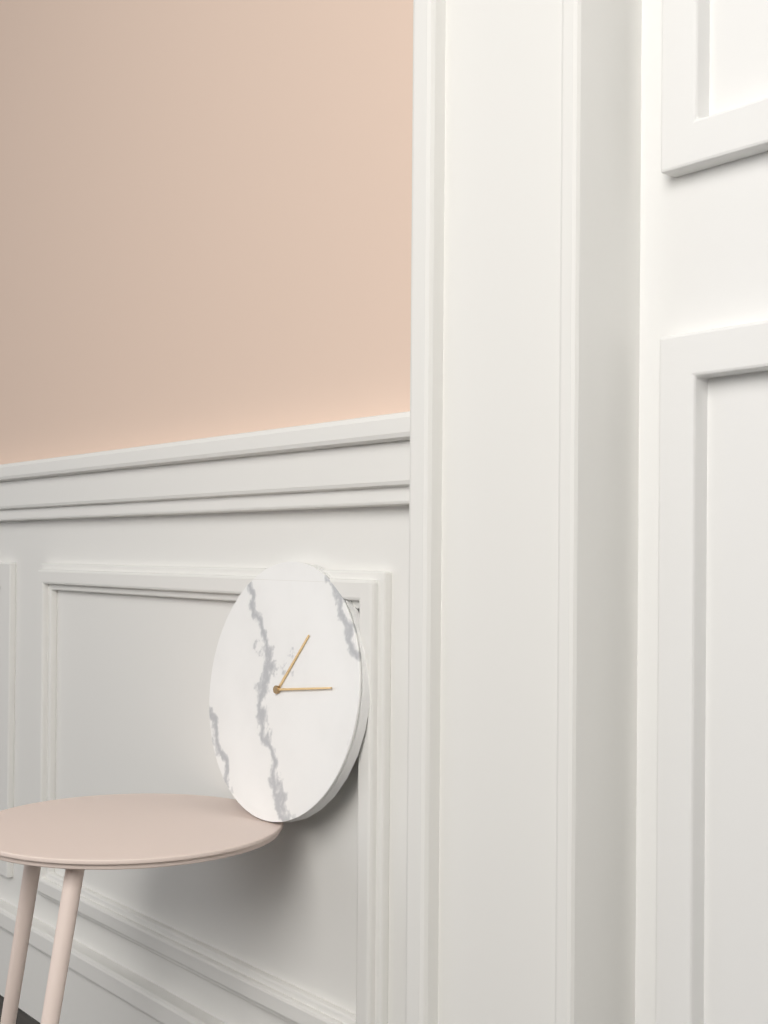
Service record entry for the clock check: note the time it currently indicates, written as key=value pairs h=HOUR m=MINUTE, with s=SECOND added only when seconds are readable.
h=1 m=14
